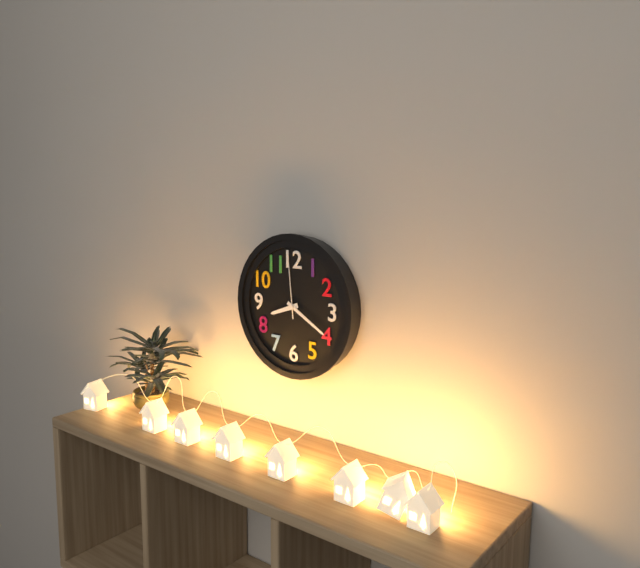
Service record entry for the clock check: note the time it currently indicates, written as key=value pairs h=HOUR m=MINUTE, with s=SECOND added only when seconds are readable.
h=8 m=20 s=59
